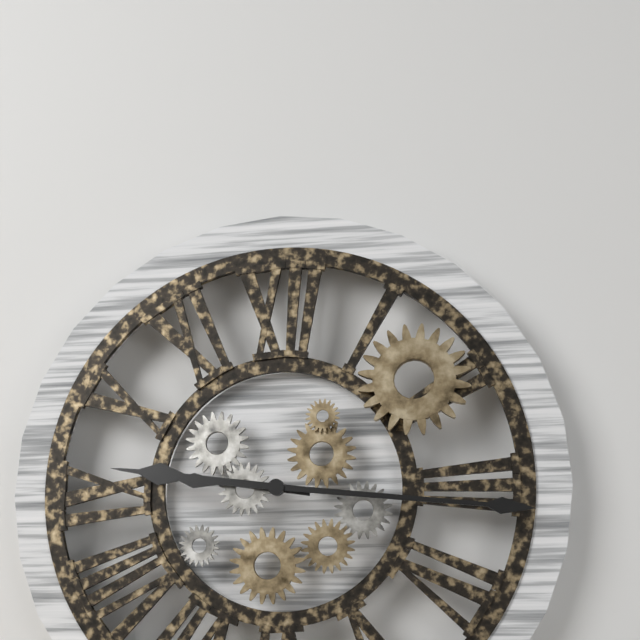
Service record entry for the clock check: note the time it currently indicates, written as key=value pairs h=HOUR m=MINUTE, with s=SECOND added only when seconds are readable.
h=9 m=16
